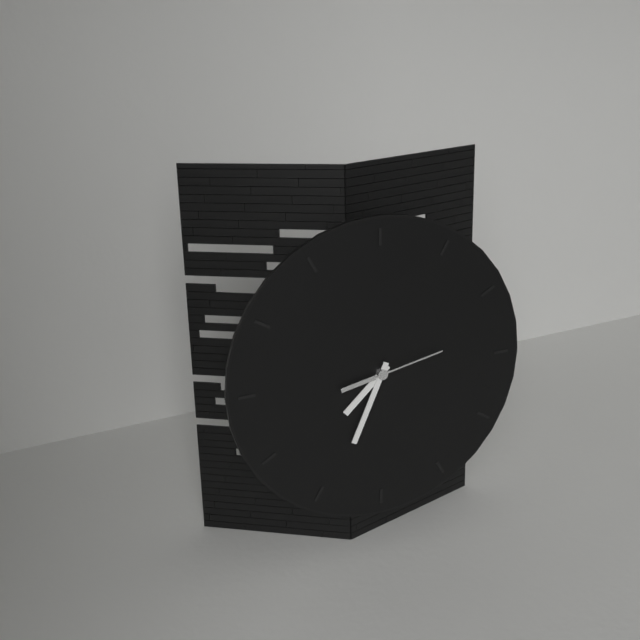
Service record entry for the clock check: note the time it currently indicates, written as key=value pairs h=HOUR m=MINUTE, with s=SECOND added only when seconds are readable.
h=7 m=34 s=13
